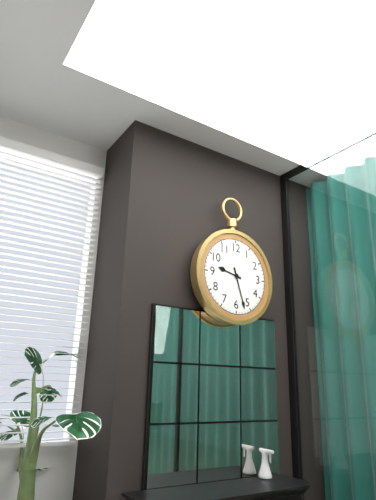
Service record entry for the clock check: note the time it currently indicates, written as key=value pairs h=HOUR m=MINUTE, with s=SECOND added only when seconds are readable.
h=9 m=27
